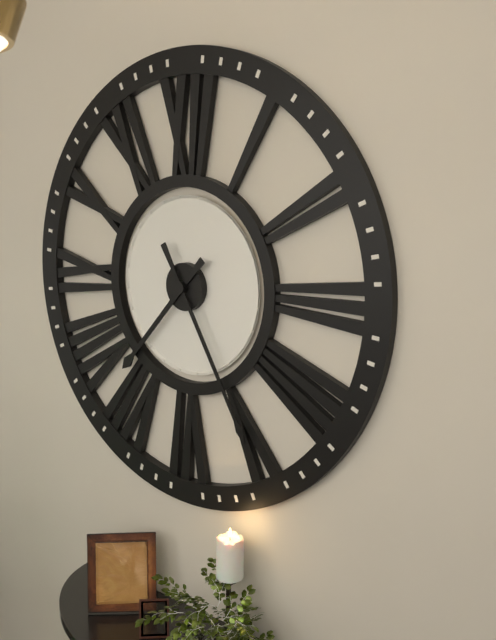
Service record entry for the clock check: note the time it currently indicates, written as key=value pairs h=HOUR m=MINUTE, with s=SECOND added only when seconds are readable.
h=7 m=25
